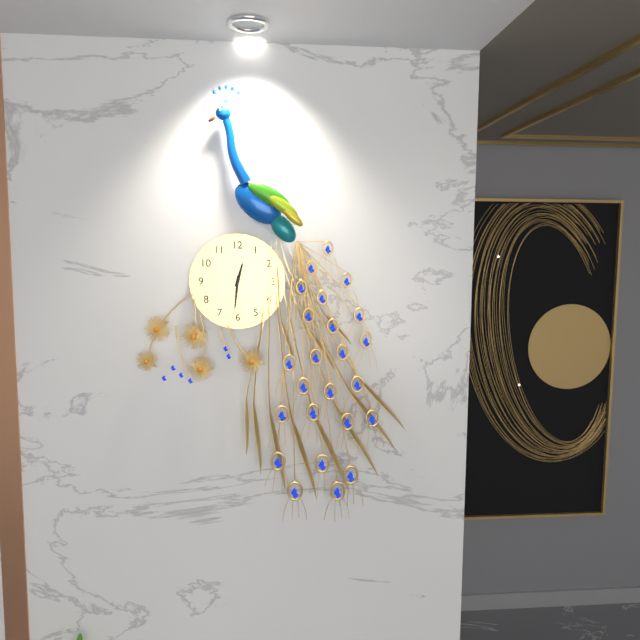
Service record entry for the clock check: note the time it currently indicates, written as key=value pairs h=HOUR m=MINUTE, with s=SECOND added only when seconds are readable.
h=12 m=31
